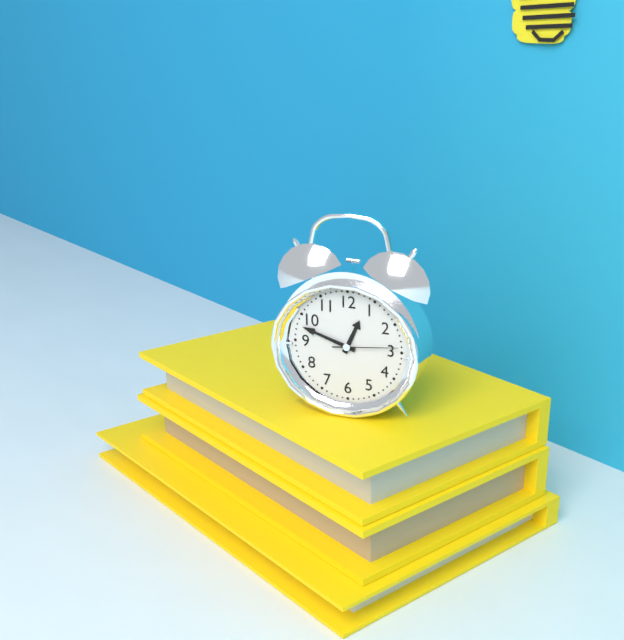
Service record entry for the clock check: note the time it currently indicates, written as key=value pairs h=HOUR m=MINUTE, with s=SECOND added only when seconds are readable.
h=12 m=48 s=14
